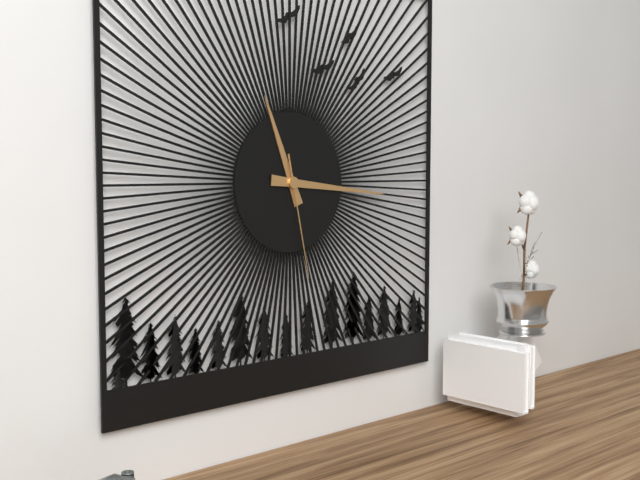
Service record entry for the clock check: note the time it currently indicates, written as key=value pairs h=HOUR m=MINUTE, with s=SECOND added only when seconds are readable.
h=11 m=16 s=28
